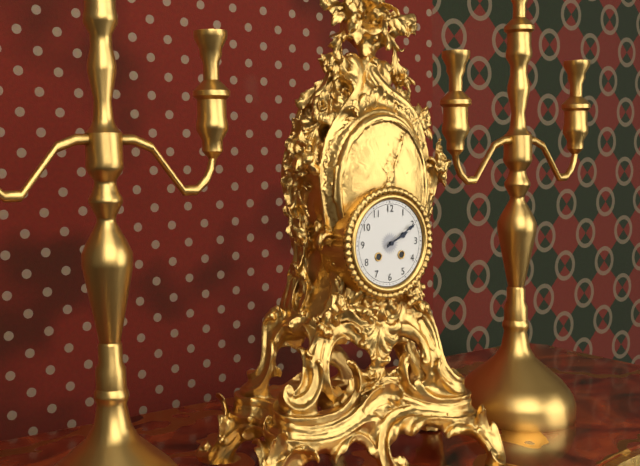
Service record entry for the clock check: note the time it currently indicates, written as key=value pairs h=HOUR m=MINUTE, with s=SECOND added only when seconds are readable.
h=2 m=10
